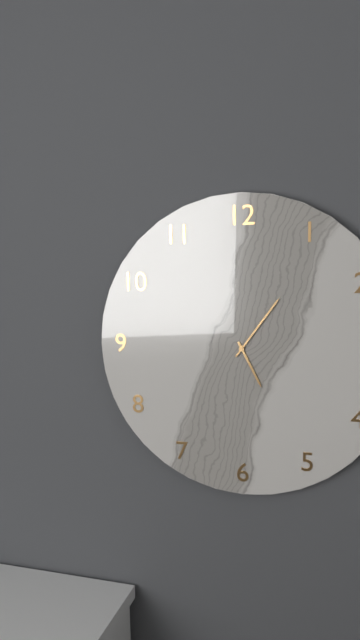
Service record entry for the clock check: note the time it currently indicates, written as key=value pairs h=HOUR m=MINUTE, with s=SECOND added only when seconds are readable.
h=5 m=6
